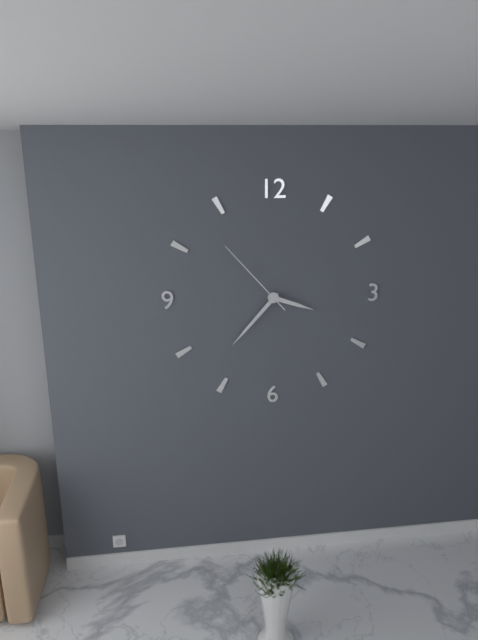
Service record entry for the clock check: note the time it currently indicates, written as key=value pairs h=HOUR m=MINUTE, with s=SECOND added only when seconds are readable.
h=3 m=37 s=53
